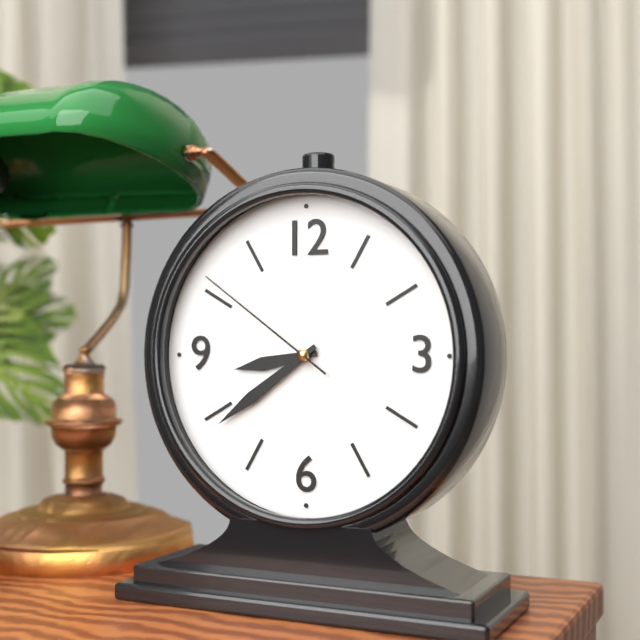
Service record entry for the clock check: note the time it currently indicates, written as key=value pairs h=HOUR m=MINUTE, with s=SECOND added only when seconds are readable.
h=8 m=39 s=51
